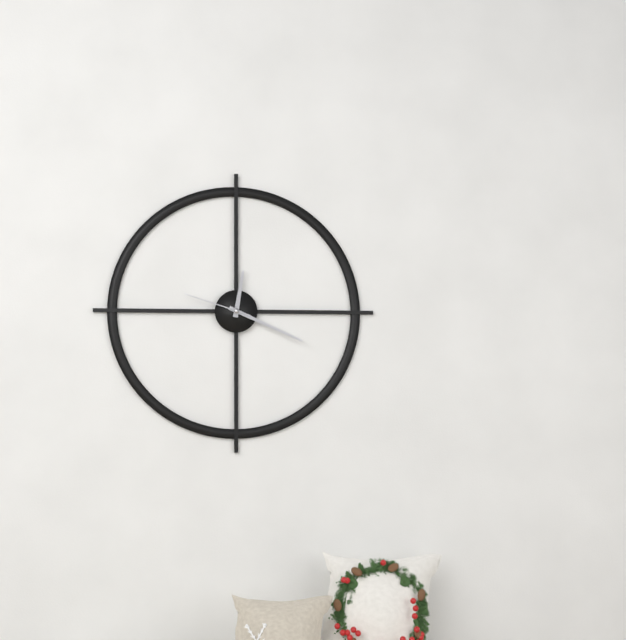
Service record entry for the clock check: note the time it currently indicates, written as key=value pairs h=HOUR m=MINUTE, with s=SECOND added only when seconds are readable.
h=12 m=19 s=48
